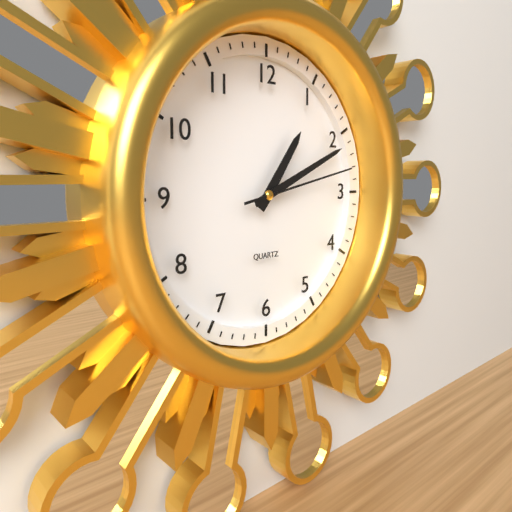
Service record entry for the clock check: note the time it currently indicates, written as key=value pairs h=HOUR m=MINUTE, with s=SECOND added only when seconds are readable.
h=1 m=11 s=13
